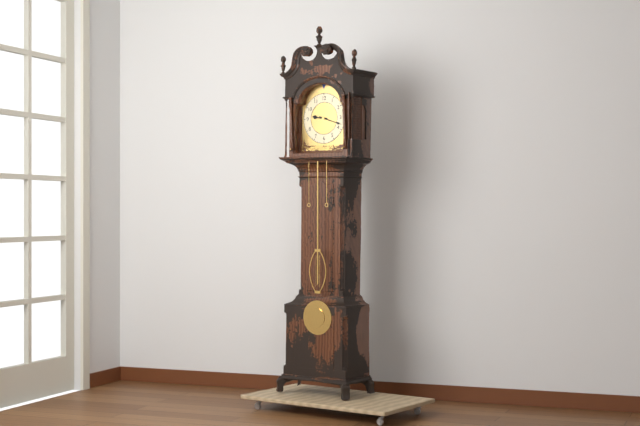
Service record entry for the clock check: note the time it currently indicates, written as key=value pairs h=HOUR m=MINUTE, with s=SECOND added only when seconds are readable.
h=9 m=18
